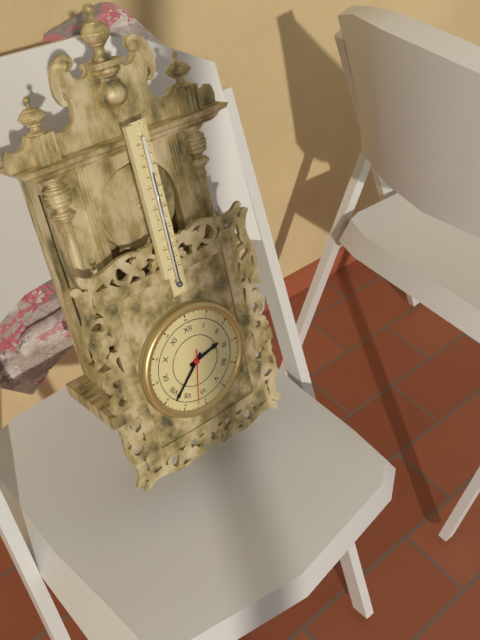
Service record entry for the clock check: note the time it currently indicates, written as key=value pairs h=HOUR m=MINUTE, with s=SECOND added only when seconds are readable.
h=2 m=38 s=32
